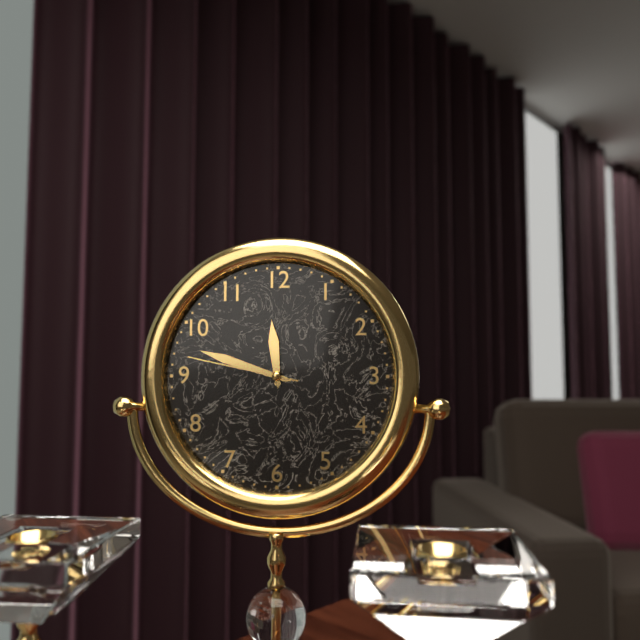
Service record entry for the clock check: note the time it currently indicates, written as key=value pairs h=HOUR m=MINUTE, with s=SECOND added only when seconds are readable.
h=11 m=48 s=47
